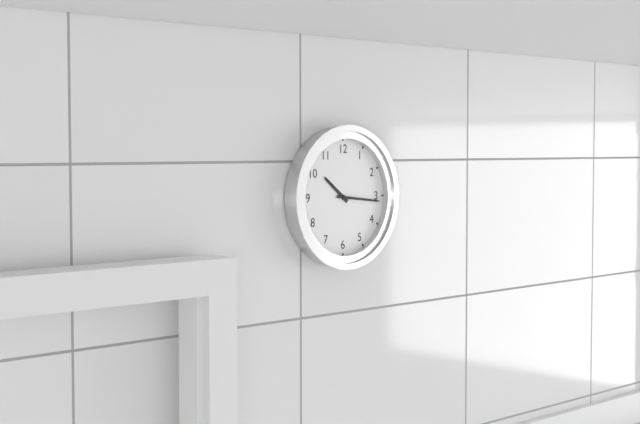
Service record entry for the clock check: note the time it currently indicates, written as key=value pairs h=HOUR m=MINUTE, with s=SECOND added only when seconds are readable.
h=10 m=16
